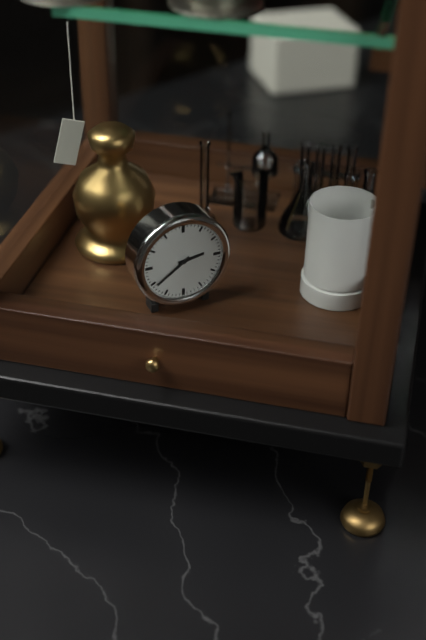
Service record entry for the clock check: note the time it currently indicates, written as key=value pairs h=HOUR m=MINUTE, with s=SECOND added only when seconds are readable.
h=2 m=39
